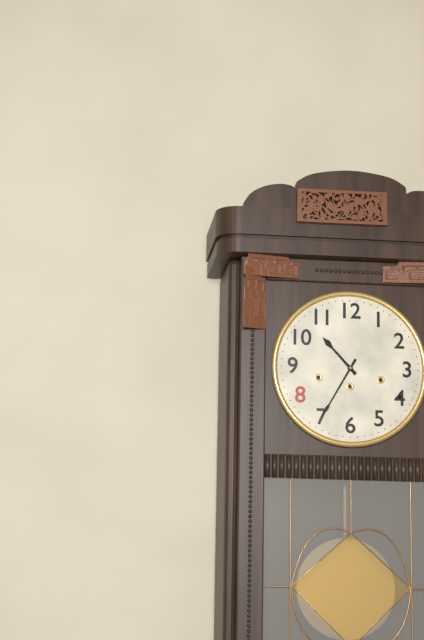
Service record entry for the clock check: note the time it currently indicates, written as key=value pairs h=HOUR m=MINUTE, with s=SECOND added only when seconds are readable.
h=10 m=35
